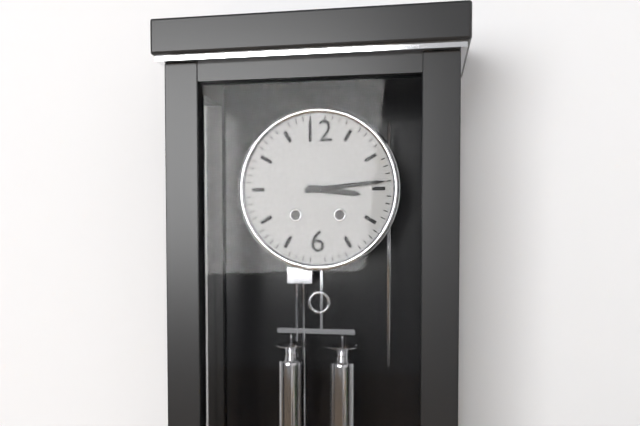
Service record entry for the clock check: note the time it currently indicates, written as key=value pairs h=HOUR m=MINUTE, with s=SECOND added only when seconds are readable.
h=3 m=14
